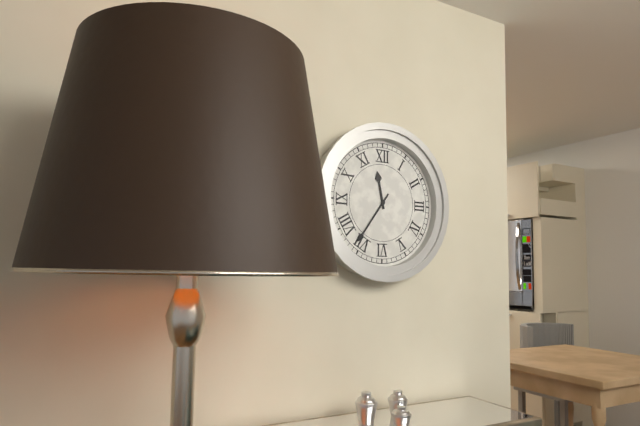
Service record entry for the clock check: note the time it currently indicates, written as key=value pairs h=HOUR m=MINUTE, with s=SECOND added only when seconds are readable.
h=11 m=36
